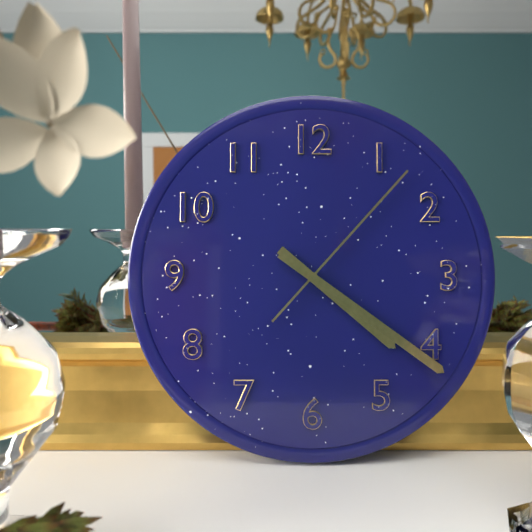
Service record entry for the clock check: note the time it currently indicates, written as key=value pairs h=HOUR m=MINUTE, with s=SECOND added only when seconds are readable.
h=4 m=21 s=7
